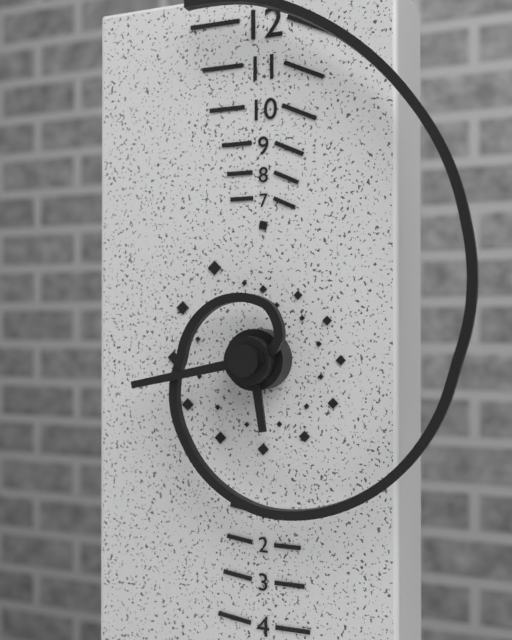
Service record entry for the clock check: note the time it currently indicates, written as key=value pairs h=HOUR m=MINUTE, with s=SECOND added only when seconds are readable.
h=5 m=43
